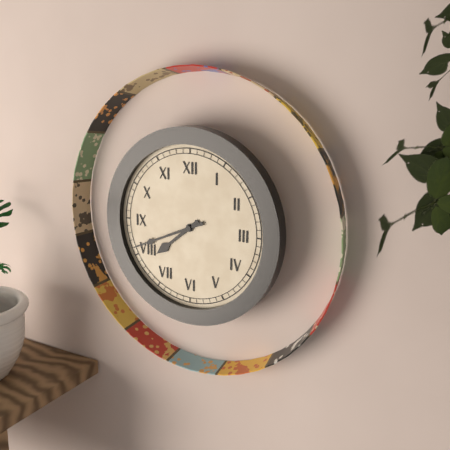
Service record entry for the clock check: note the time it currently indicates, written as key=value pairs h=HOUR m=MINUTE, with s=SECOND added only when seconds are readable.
h=7 m=41
